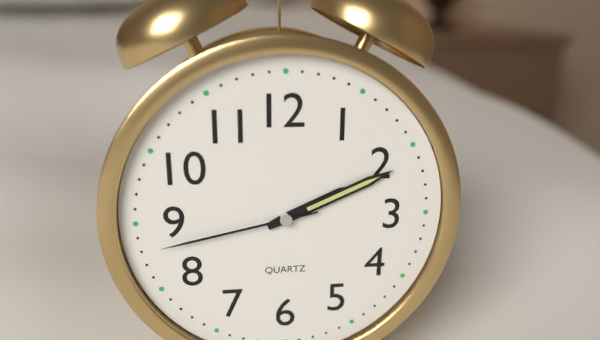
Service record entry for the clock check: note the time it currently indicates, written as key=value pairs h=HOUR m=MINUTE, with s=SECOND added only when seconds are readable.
h=2 m=11 s=43
